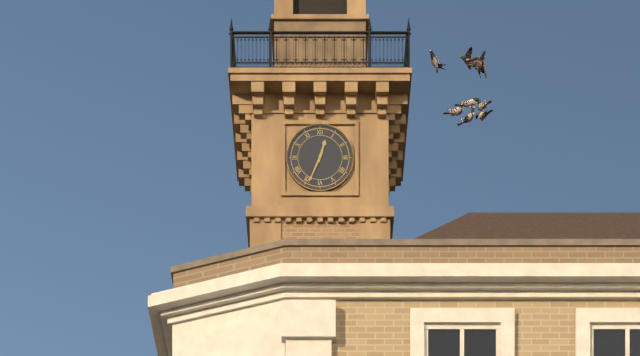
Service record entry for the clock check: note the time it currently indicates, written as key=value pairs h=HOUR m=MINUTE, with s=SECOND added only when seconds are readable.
h=12 m=34
